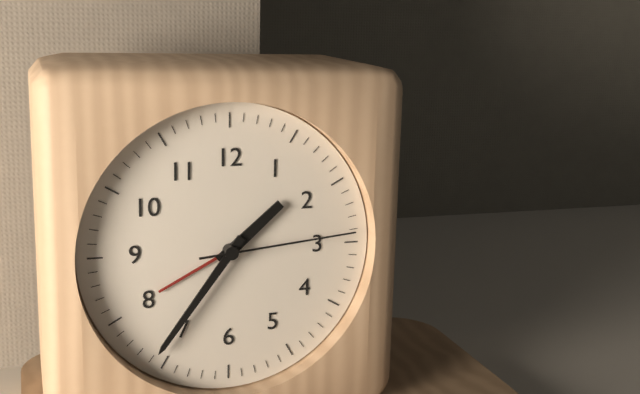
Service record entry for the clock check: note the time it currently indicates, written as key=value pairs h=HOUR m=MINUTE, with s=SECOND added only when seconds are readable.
h=1 m=36 s=14
